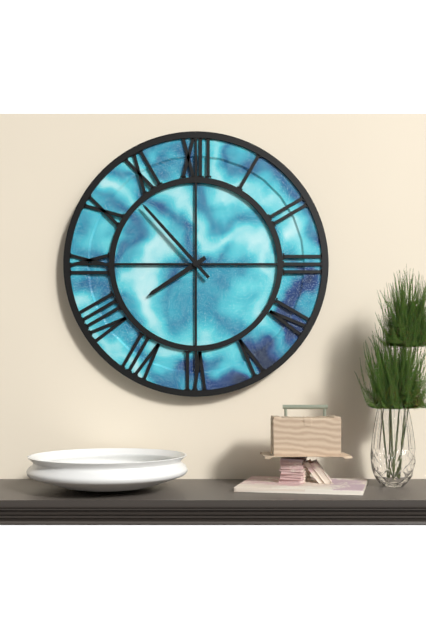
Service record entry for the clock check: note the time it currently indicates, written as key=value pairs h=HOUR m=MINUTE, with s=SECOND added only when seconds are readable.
h=7 m=53
